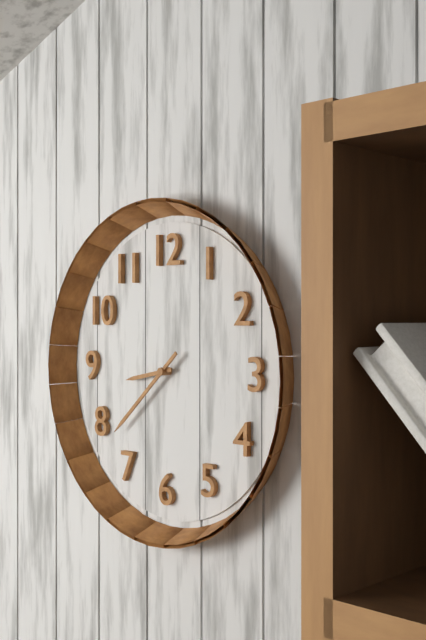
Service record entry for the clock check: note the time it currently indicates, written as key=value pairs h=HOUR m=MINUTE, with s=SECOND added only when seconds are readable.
h=8 m=38
